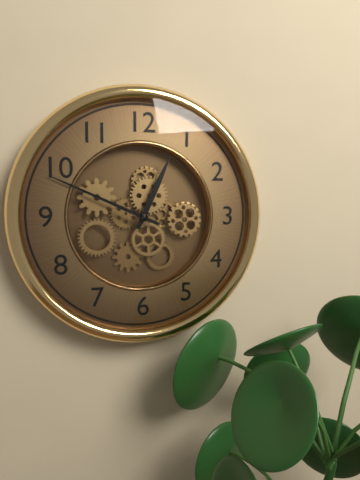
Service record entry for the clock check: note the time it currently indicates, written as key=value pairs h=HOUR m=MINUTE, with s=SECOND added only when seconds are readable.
h=12 m=49
